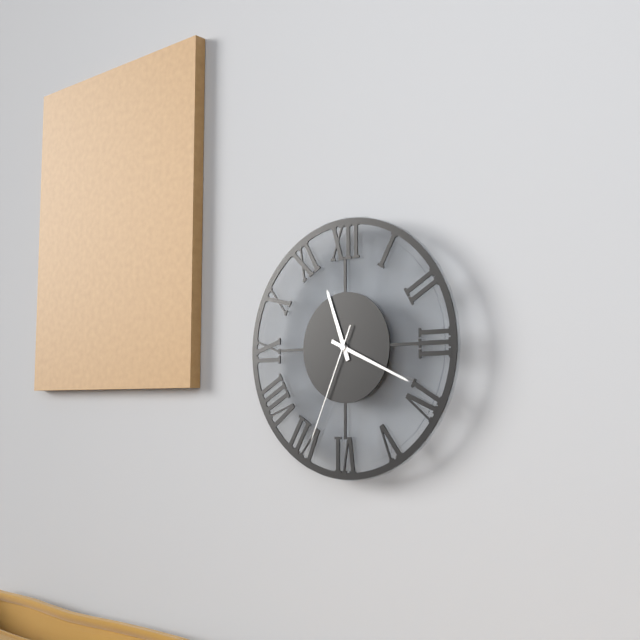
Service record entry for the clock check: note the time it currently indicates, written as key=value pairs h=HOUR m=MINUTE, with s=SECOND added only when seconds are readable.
h=11 m=19 s=34
